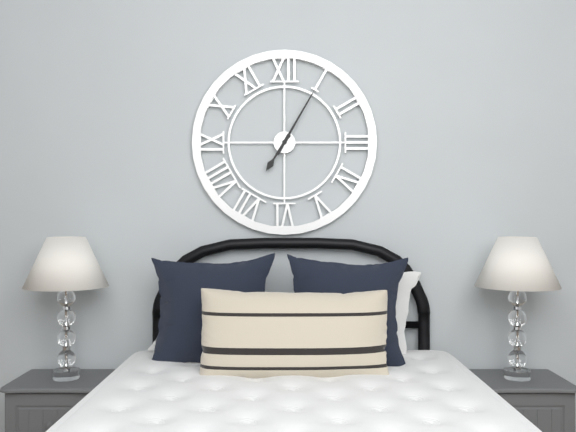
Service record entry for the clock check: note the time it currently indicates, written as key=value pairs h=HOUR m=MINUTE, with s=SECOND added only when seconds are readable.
h=7 m=5
